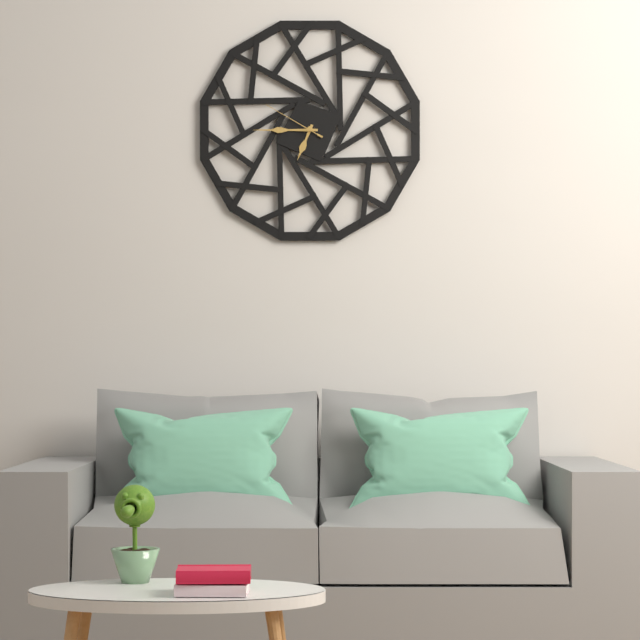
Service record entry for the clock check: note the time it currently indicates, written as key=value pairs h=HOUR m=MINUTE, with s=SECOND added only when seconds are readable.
h=6 m=45 s=50
